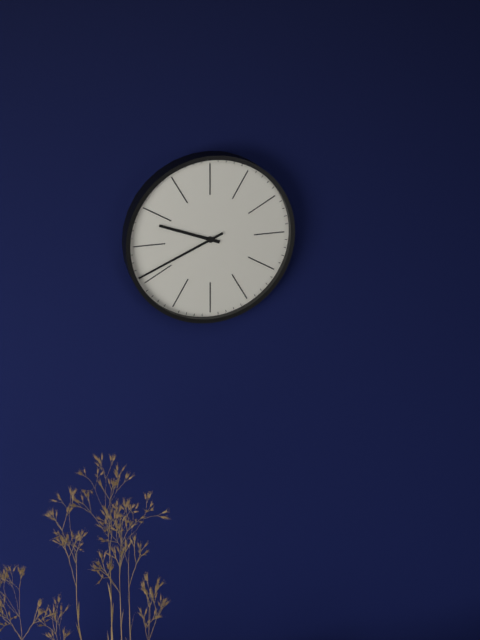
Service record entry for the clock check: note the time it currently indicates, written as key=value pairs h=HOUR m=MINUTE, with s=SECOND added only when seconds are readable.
h=9 m=41
